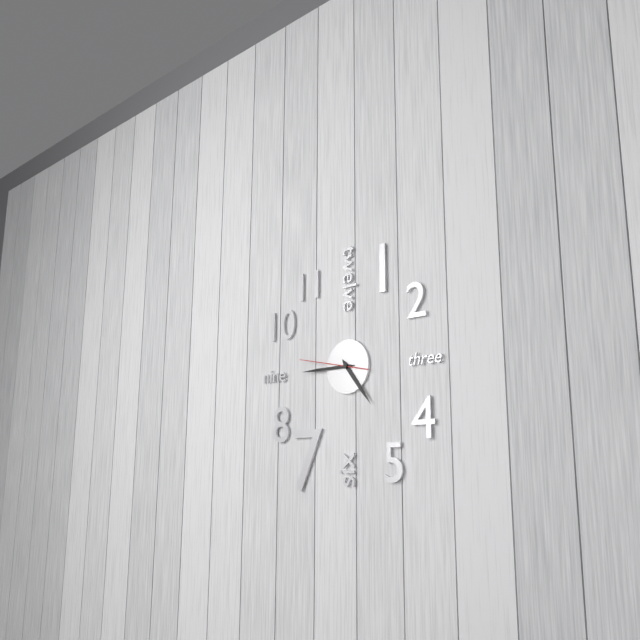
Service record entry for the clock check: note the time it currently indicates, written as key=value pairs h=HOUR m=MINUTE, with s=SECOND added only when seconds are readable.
h=4 m=45 s=47
